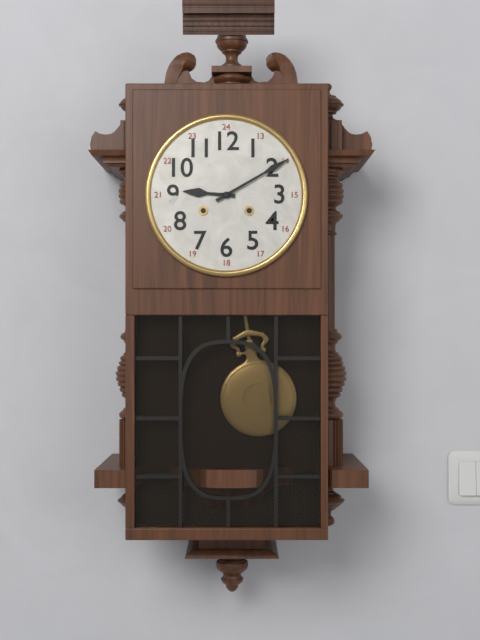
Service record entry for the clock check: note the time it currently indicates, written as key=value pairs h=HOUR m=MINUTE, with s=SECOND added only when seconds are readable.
h=9 m=10
